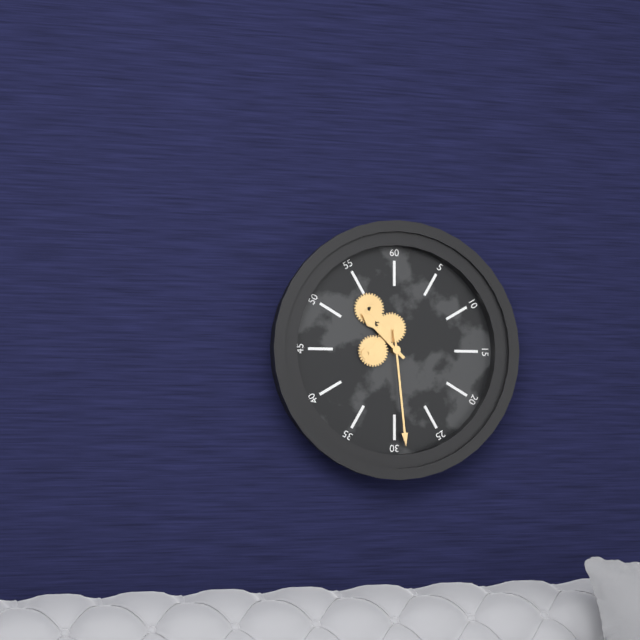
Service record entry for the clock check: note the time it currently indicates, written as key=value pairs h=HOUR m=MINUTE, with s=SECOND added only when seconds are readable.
h=10 m=29
